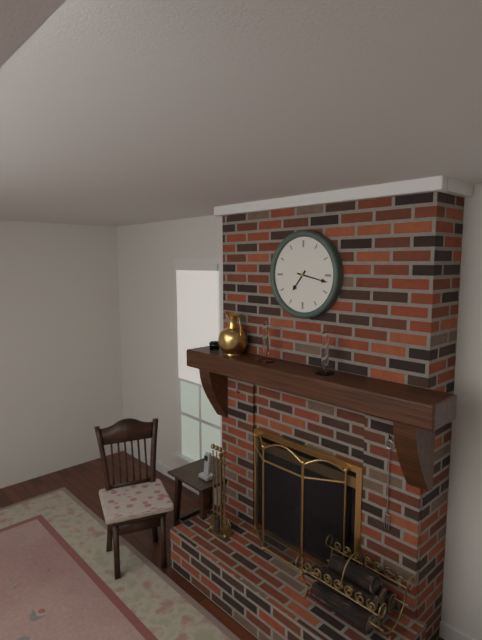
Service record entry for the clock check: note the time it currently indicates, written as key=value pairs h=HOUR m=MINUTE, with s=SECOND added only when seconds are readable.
h=7 m=17
